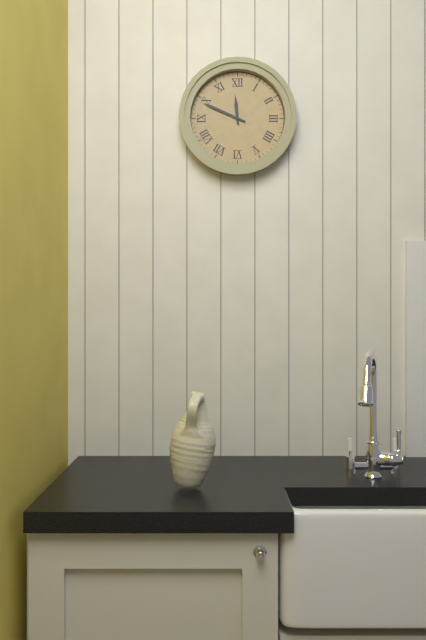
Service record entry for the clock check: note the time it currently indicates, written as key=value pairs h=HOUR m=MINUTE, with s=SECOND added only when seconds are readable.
h=11 m=49
